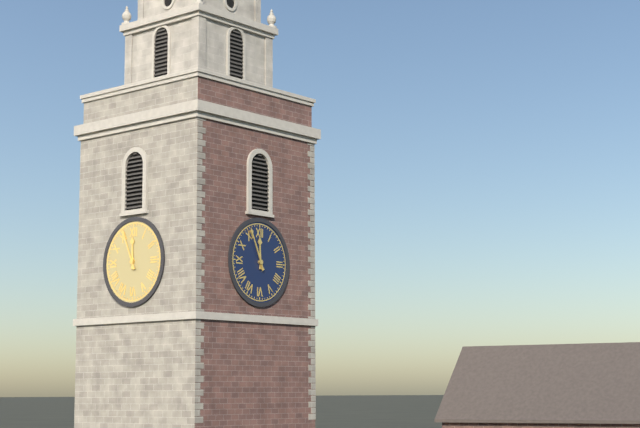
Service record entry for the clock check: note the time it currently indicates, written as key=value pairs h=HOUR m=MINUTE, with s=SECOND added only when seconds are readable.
h=11 m=56
